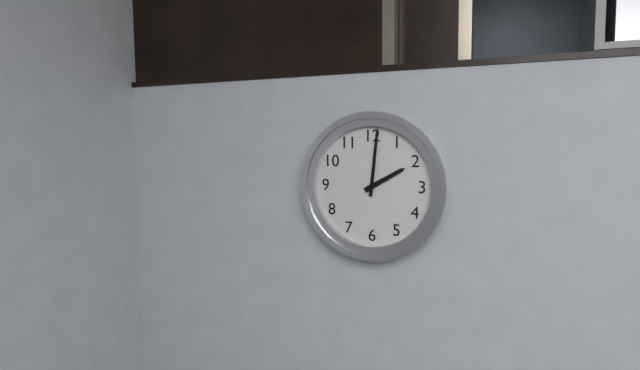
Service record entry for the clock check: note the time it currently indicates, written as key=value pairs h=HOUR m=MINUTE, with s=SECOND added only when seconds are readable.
h=2 m=1
